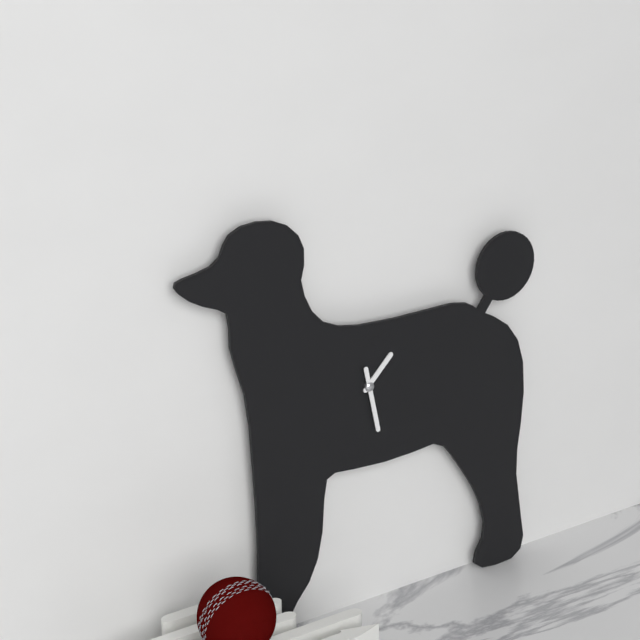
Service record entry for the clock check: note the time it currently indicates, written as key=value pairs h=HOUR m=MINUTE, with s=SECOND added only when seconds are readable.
h=1 m=28
